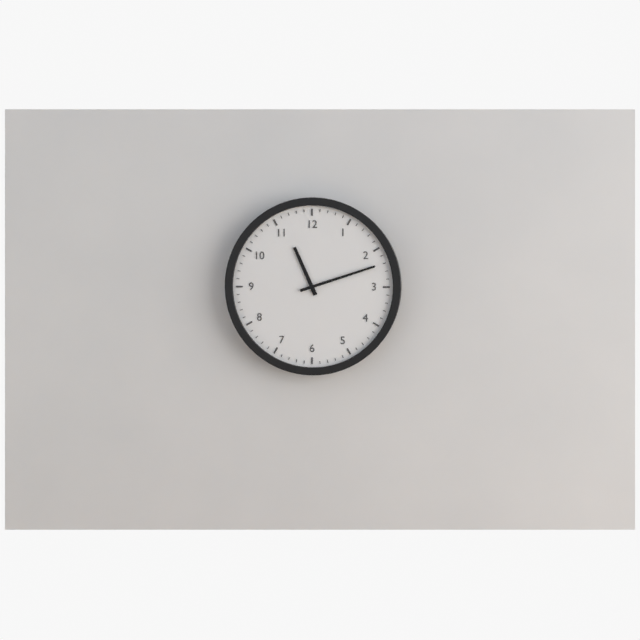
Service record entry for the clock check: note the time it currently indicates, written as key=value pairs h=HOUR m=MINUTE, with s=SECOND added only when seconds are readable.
h=11 m=12
